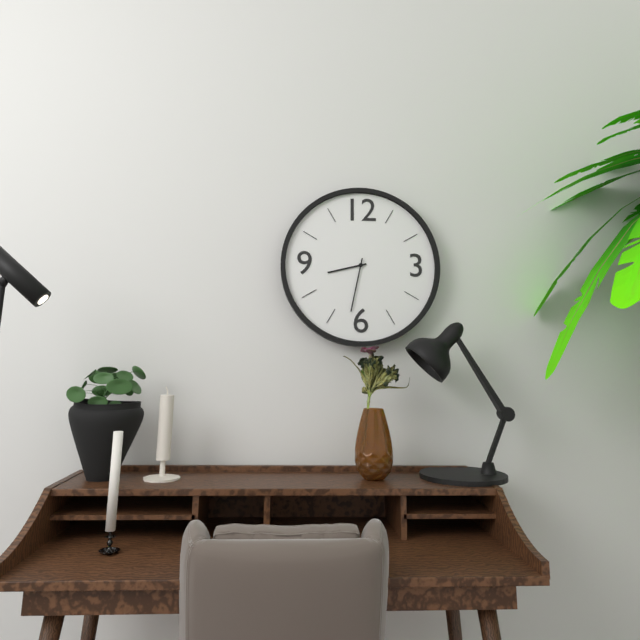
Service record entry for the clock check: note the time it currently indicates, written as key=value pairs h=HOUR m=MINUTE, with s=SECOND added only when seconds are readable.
h=8 m=32
